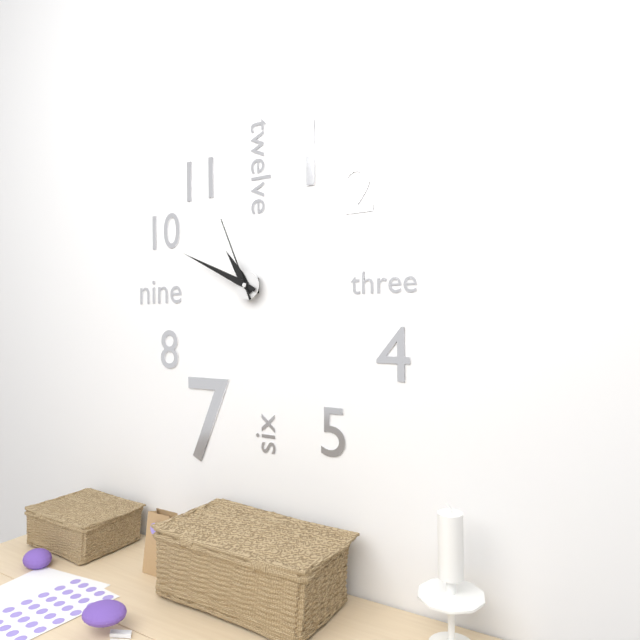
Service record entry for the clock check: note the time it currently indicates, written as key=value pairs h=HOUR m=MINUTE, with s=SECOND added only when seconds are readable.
h=10 m=49 s=56
